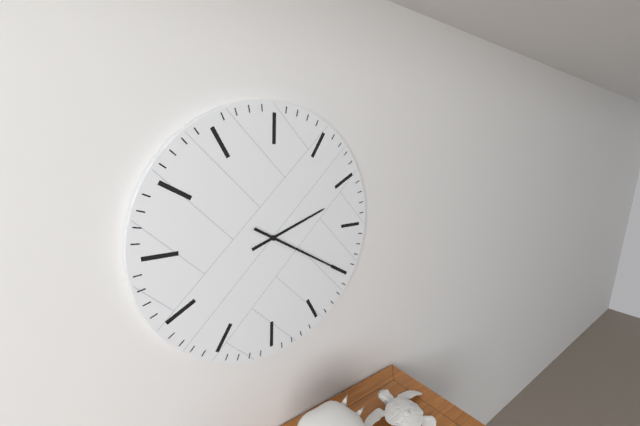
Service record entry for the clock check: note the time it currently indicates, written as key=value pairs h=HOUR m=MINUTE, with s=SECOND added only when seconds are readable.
h=2 m=20
